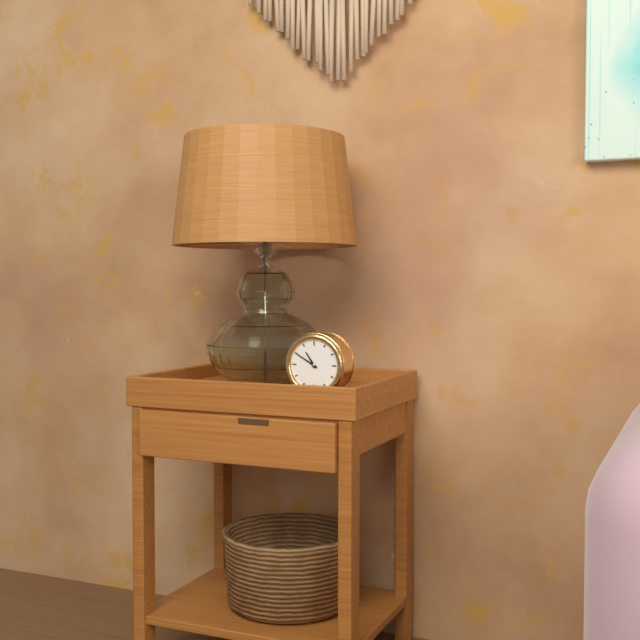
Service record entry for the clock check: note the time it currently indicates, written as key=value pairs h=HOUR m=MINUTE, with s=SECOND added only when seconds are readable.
h=10 m=50
